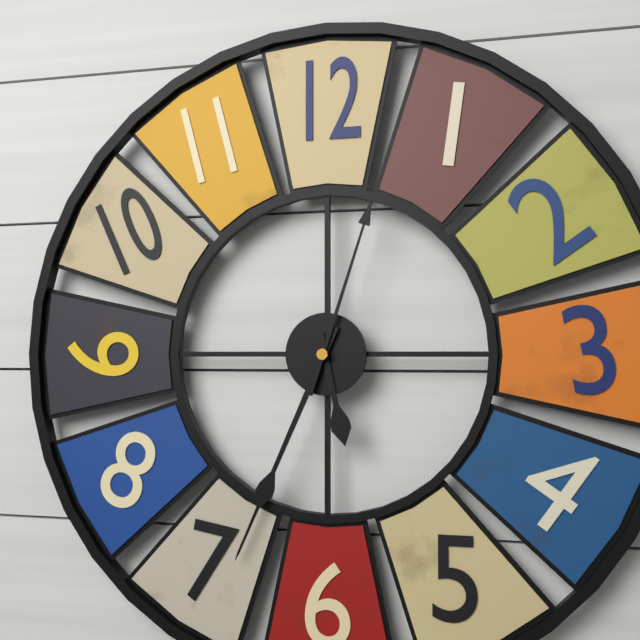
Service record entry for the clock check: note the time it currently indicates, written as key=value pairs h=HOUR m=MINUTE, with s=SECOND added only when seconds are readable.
h=5 m=34 s=3
